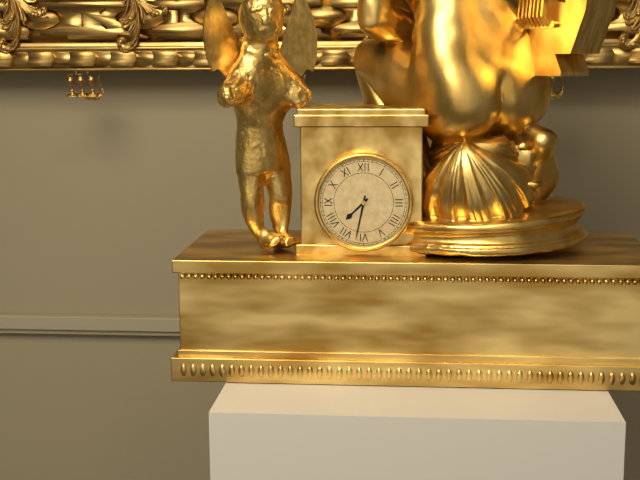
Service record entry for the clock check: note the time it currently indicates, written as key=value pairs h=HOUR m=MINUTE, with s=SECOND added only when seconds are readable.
h=7 m=32
